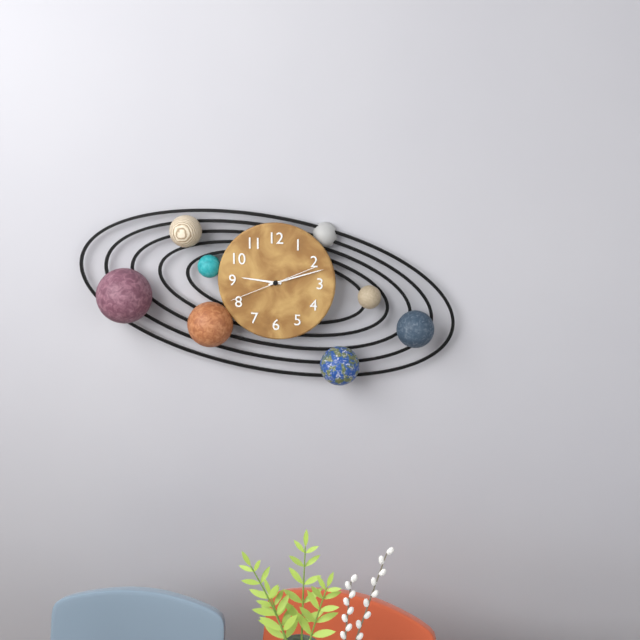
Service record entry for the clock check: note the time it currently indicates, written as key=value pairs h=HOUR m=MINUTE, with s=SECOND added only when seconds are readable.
h=9 m=12 s=41
